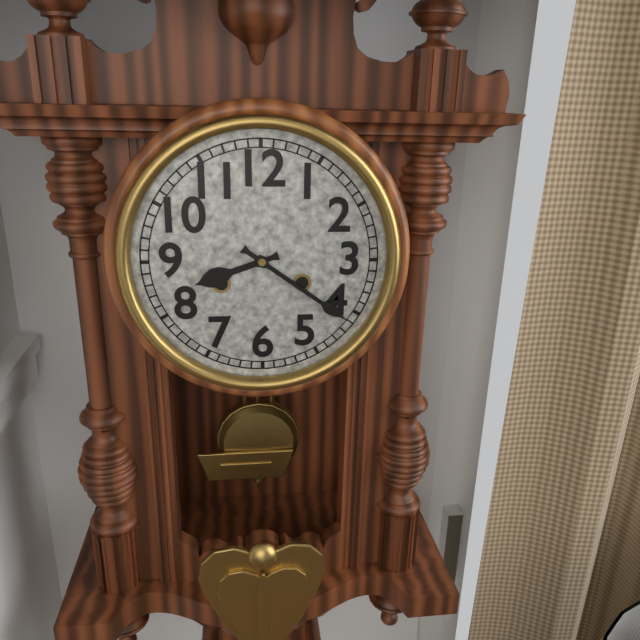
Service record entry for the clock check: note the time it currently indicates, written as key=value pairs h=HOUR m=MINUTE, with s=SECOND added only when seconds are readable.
h=8 m=21
